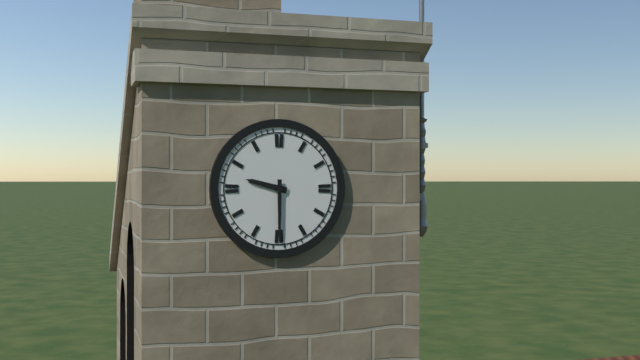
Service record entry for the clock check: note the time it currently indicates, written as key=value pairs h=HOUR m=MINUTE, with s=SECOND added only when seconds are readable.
h=9 m=30
